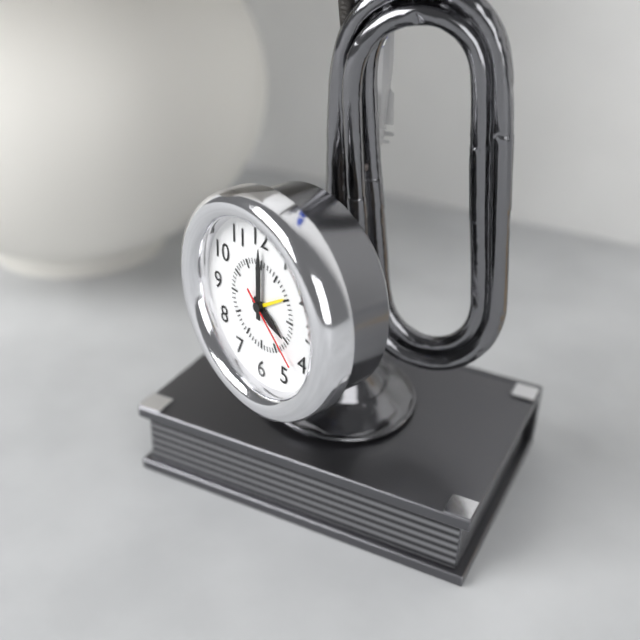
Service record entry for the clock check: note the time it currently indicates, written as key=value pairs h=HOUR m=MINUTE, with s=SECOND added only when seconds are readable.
h=4 m=0 s=22
